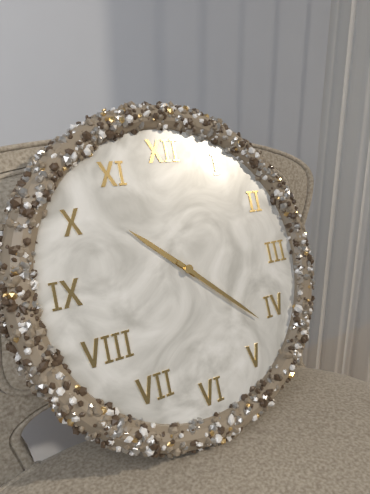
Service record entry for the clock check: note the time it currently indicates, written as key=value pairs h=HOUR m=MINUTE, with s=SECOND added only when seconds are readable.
h=10 m=22
